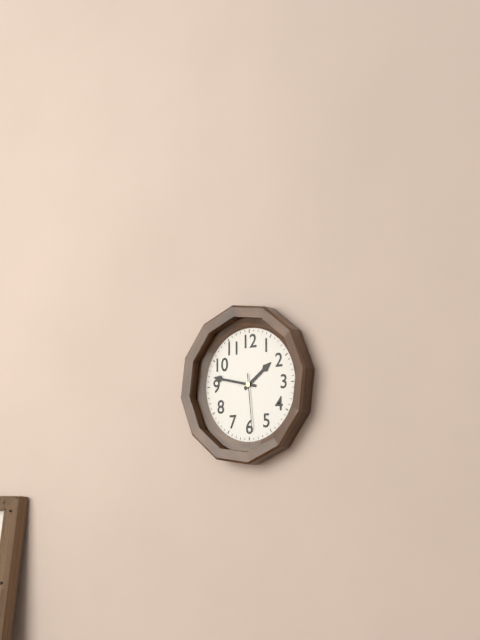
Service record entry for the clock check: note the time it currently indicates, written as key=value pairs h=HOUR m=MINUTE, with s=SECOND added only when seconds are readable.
h=1 m=47 s=29
